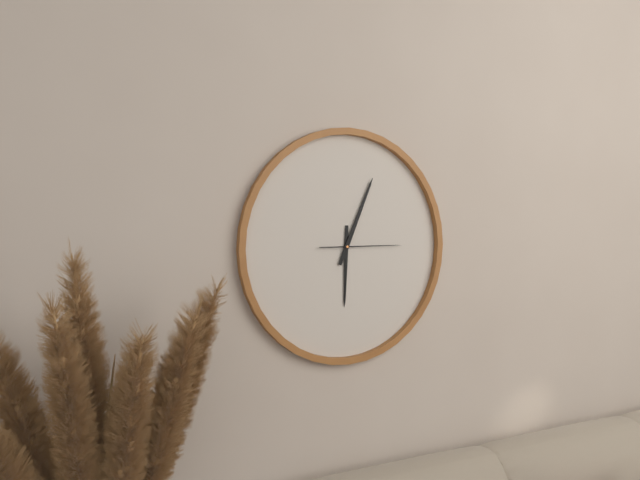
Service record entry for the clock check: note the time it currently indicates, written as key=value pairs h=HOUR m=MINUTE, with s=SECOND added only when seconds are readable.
h=6 m=4 s=15
